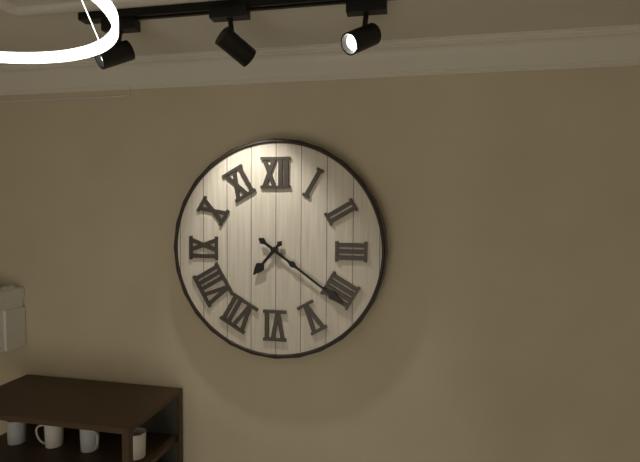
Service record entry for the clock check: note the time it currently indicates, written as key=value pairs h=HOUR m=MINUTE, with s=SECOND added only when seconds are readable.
h=7 m=21
